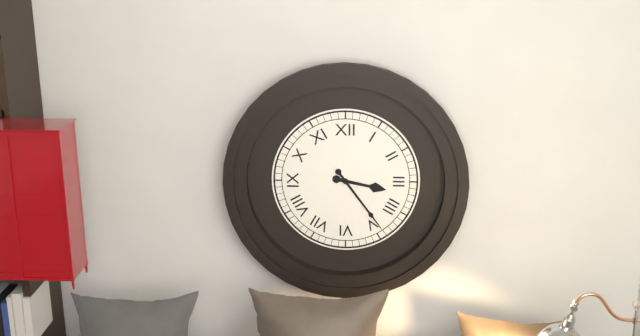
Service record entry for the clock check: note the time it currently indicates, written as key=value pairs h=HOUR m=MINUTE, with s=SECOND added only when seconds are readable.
h=3 m=24
